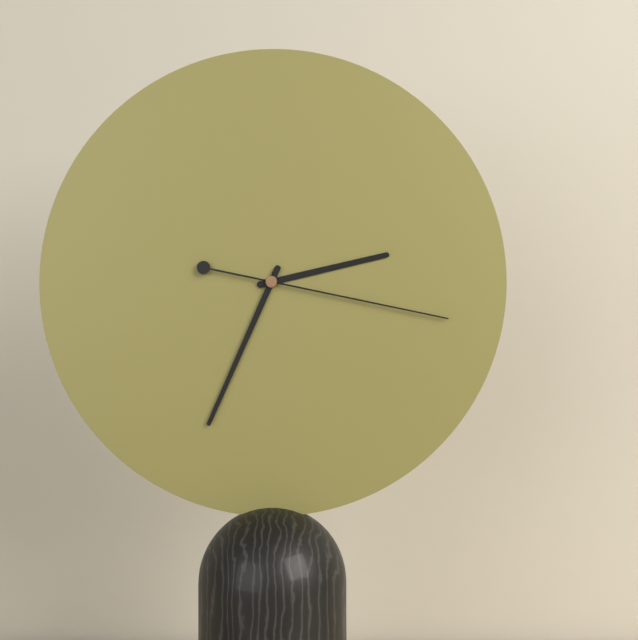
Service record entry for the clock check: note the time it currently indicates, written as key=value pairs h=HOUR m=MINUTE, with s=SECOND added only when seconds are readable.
h=2 m=34 s=17
